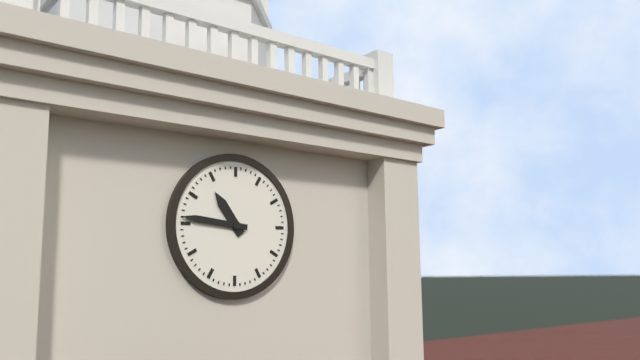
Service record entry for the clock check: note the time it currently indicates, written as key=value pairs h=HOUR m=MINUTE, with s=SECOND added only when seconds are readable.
h=10 m=46
